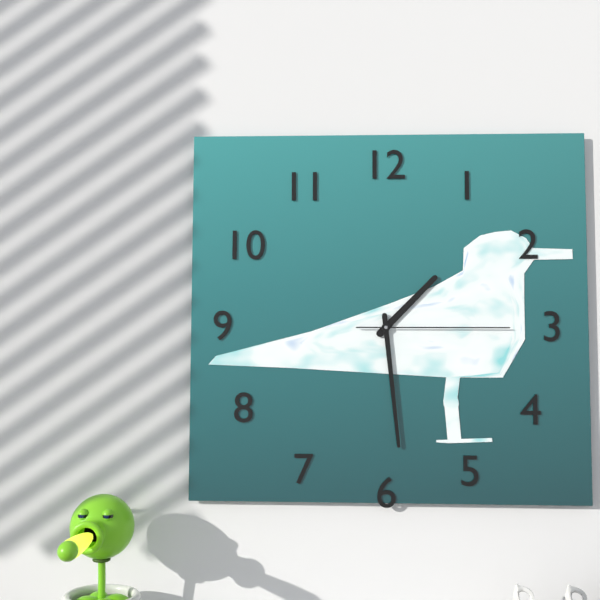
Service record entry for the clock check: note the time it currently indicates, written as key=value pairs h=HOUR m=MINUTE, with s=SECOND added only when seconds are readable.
h=1 m=29 s=15
